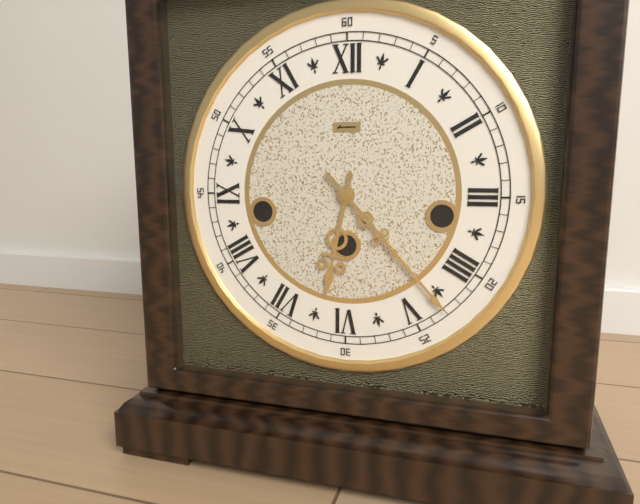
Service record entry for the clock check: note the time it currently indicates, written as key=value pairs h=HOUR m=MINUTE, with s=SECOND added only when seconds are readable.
h=6 m=23
